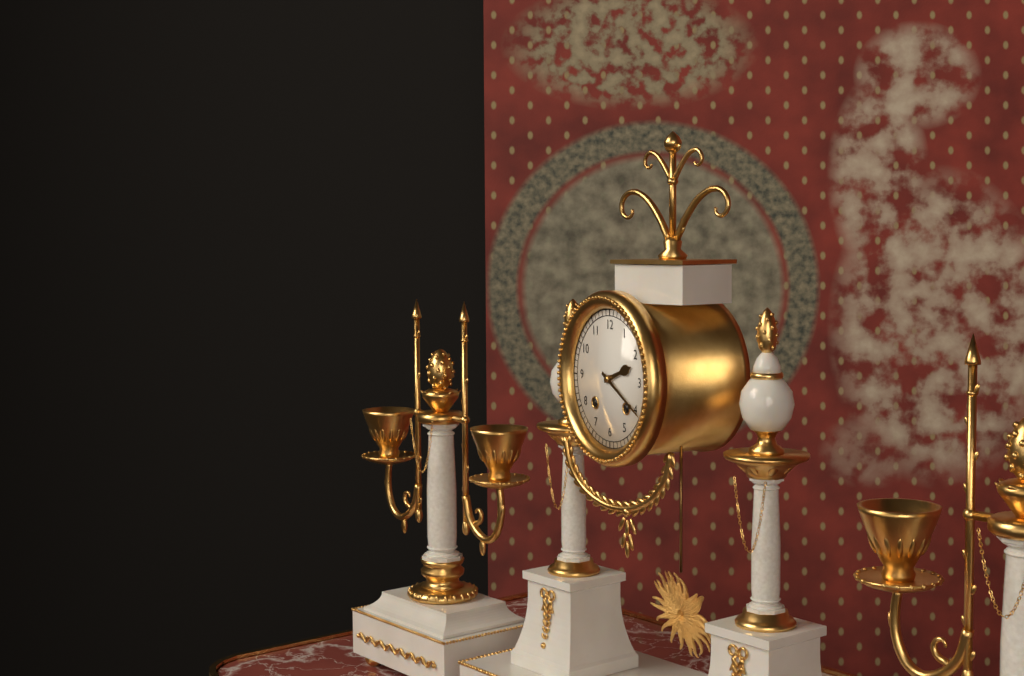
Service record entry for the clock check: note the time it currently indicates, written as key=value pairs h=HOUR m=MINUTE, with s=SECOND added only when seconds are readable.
h=2 m=20
